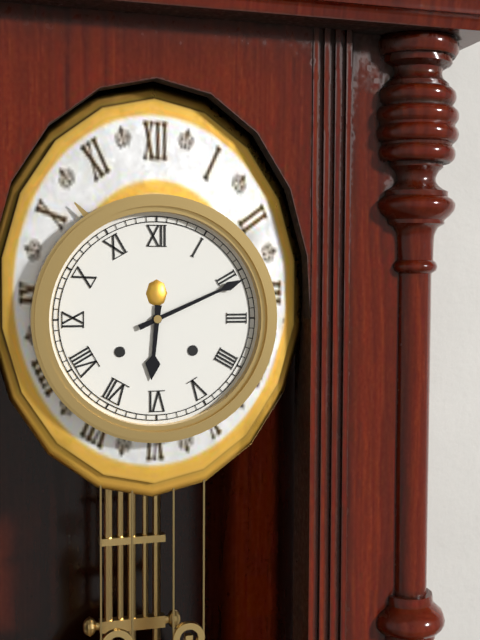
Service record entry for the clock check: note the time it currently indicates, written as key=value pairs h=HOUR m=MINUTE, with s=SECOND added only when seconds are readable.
h=6 m=11
